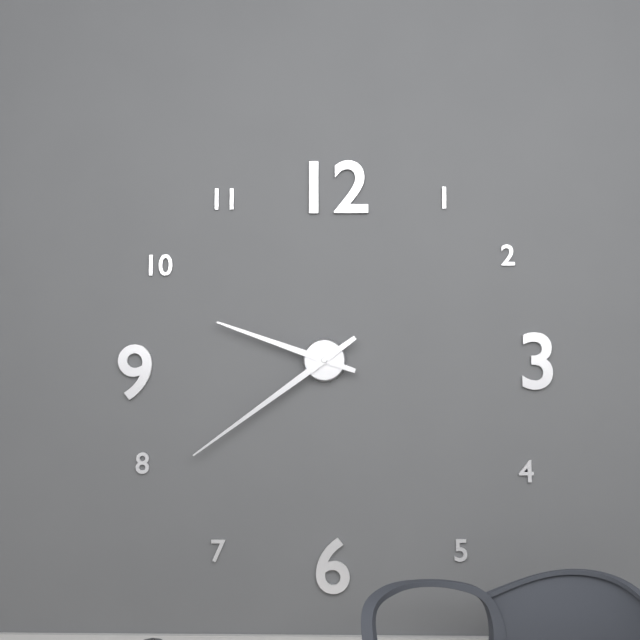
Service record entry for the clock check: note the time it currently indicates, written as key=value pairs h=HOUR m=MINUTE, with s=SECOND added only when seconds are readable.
h=9 m=39
